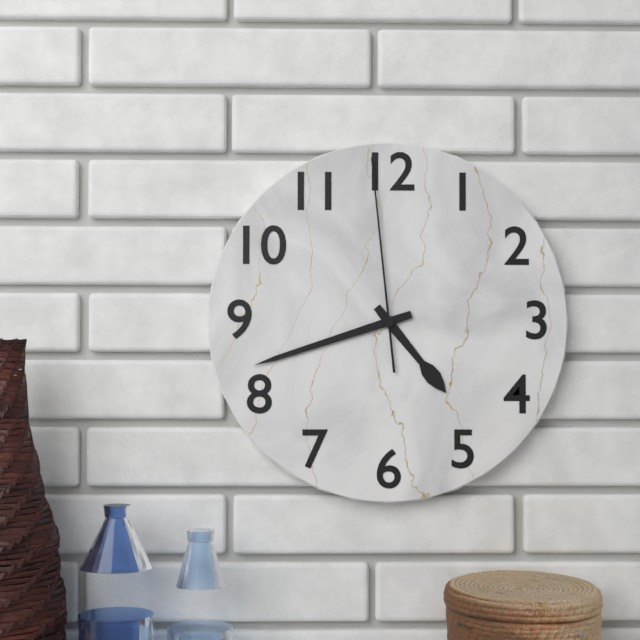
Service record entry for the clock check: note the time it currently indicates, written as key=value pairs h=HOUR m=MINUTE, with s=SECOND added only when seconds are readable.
h=4 m=42 s=59
